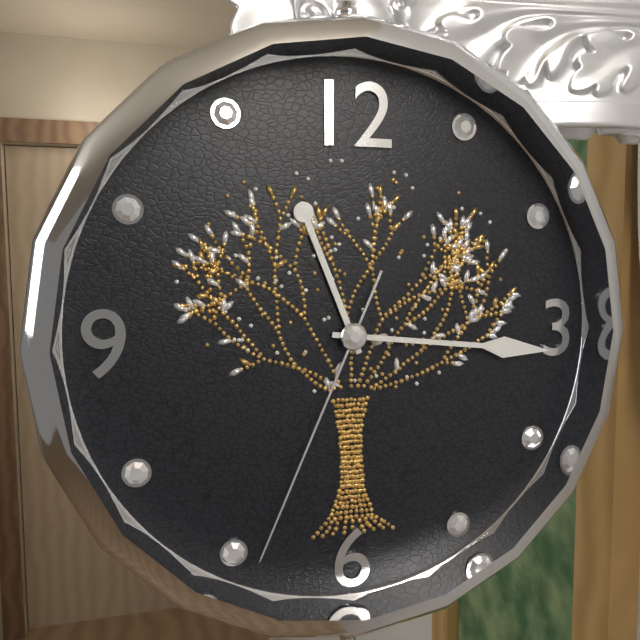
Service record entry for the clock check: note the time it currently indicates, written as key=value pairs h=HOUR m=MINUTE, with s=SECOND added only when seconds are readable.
h=11 m=16 s=34
